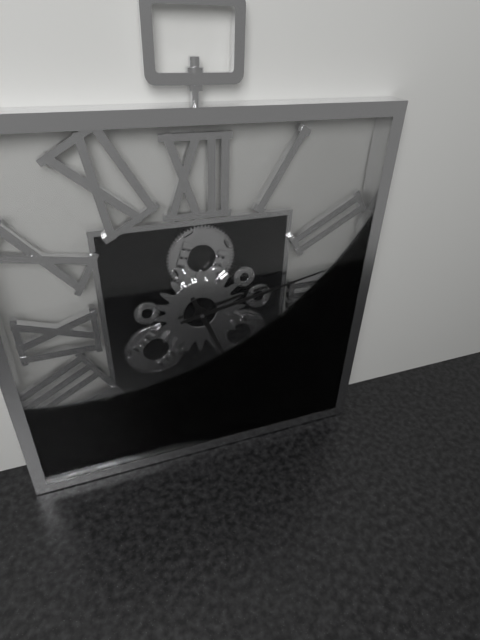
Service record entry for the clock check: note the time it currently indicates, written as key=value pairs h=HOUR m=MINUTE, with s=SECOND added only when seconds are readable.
h=5 m=13
